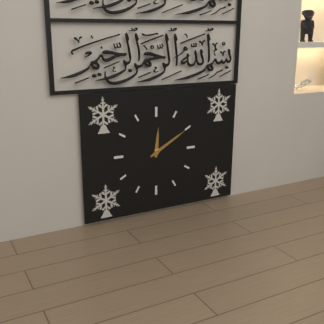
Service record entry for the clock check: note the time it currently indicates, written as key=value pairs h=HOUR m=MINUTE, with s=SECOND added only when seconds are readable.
h=12 m=10
